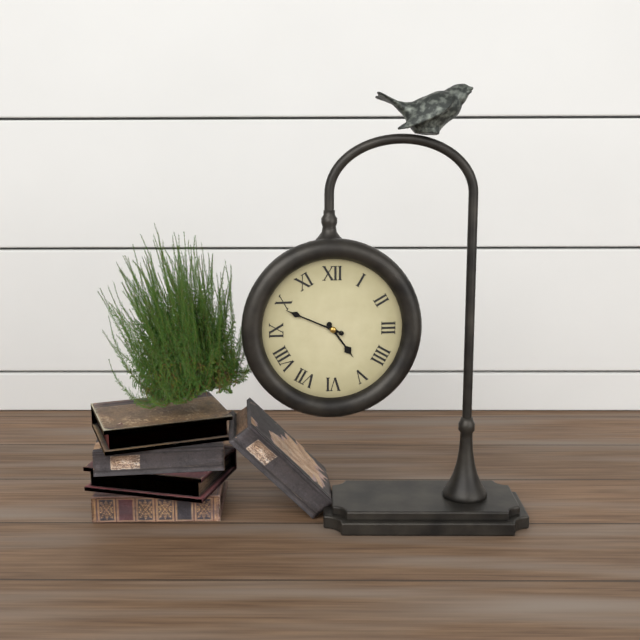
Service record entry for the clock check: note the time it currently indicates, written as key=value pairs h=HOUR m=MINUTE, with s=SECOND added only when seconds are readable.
h=4 m=49
